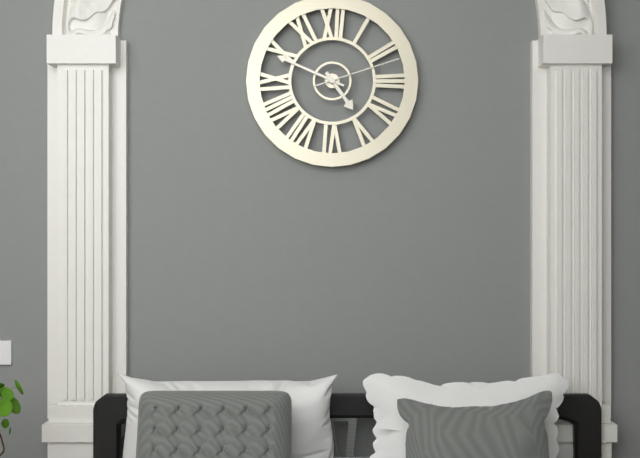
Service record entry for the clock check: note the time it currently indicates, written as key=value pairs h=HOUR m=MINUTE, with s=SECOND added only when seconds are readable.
h=4 m=49 s=12
